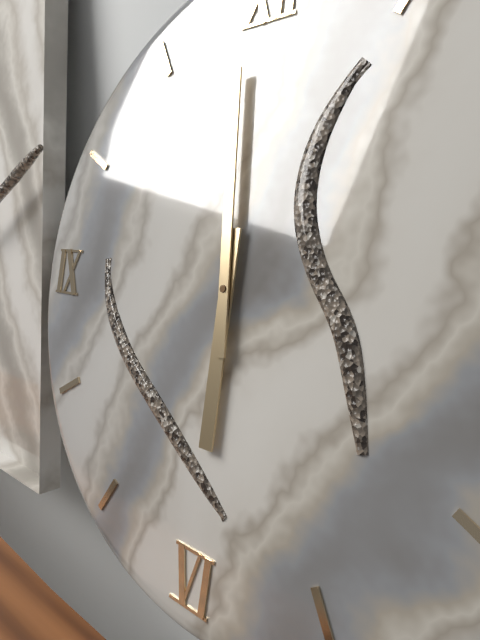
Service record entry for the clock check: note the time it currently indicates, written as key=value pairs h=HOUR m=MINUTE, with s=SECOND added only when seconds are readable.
h=5 m=59
